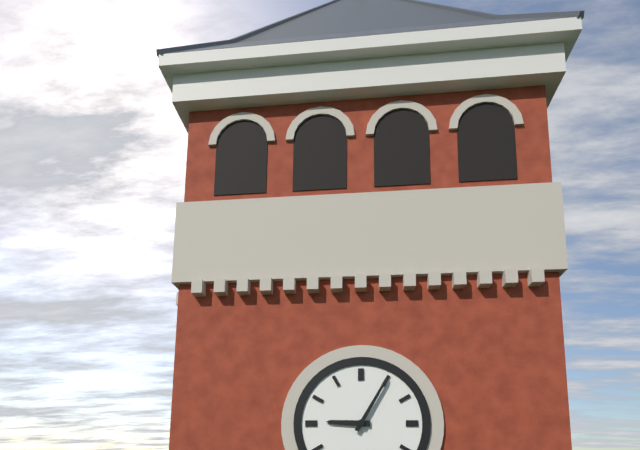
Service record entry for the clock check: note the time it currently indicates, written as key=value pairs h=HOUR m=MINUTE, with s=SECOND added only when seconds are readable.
h=9 m=5
